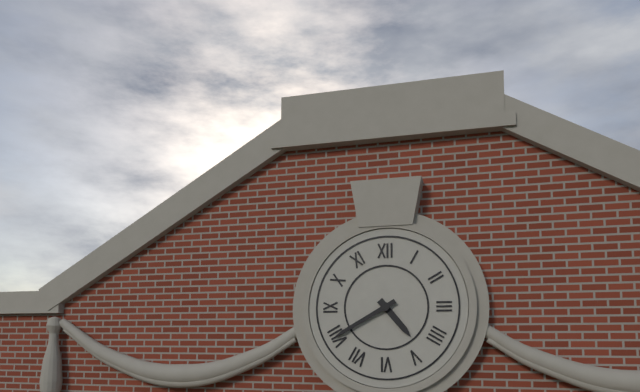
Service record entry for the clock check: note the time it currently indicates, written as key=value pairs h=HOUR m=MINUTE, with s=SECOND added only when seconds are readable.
h=4 m=40
